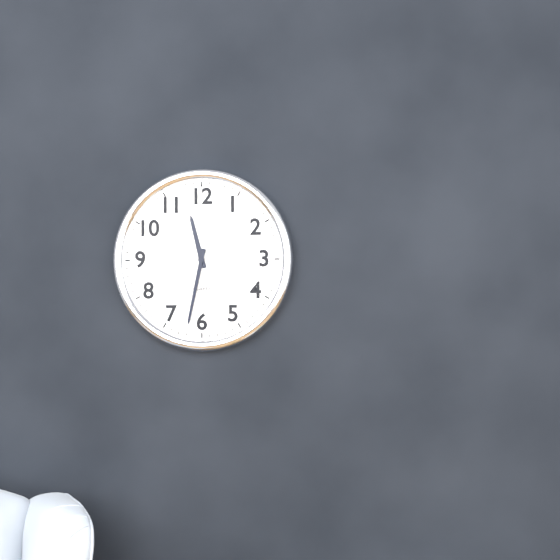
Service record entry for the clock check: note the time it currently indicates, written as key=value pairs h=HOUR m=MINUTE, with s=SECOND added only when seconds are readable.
h=11 m=32
